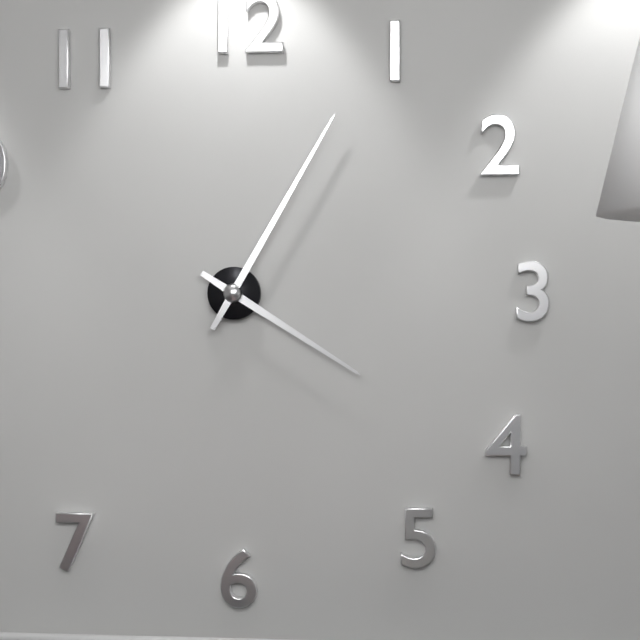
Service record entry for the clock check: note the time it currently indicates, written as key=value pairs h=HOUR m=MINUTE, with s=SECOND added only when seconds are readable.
h=4 m=5
